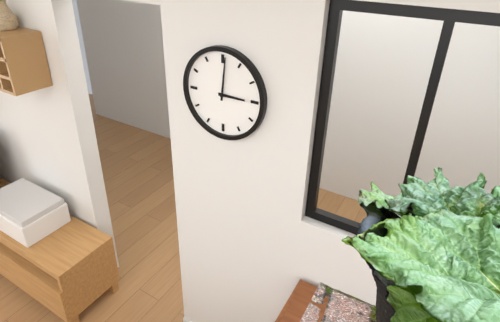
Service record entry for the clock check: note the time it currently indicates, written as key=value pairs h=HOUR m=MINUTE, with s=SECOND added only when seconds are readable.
h=3 m=1
